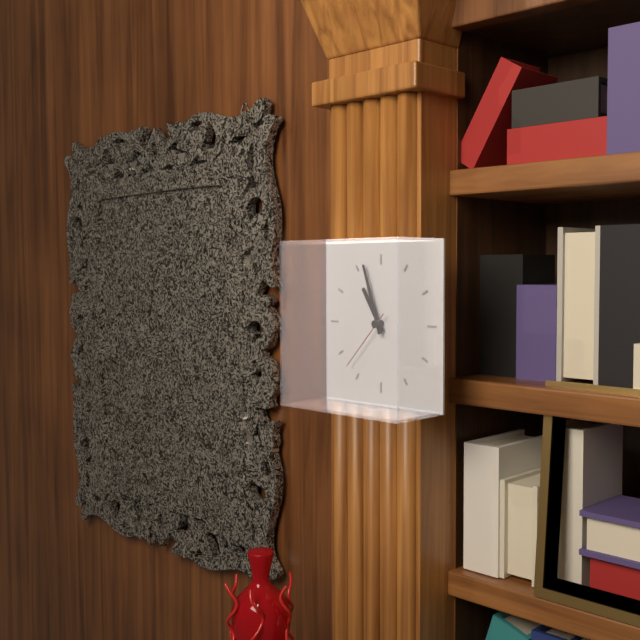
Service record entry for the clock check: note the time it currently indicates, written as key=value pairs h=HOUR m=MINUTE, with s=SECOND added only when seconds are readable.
h=10 m=57 s=37
